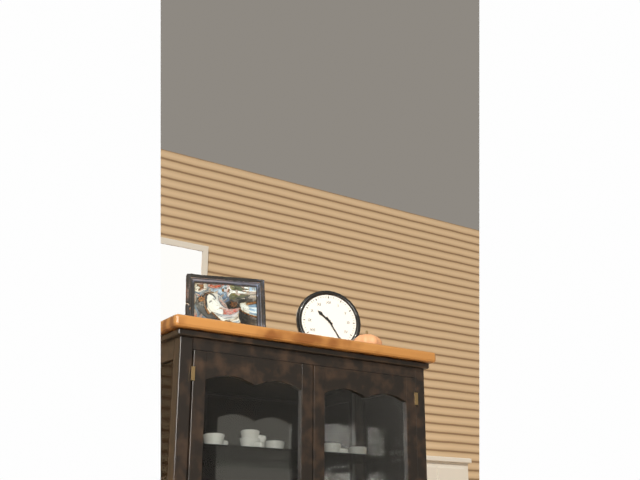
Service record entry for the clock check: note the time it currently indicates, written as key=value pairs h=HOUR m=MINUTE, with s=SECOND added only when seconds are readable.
h=10 m=25
